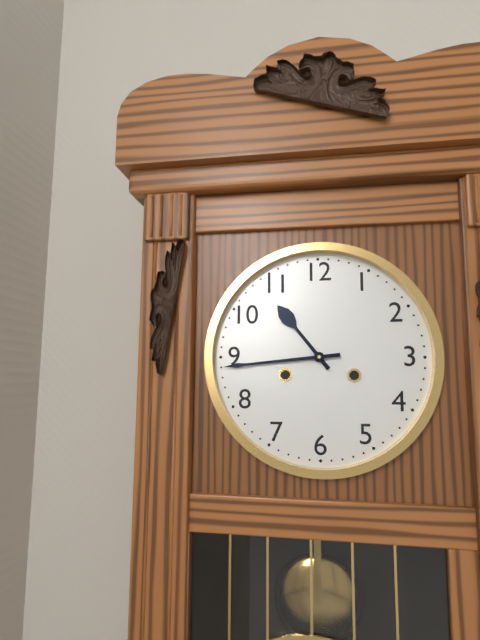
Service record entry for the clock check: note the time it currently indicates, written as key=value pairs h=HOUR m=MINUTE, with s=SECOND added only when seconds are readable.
h=10 m=44
